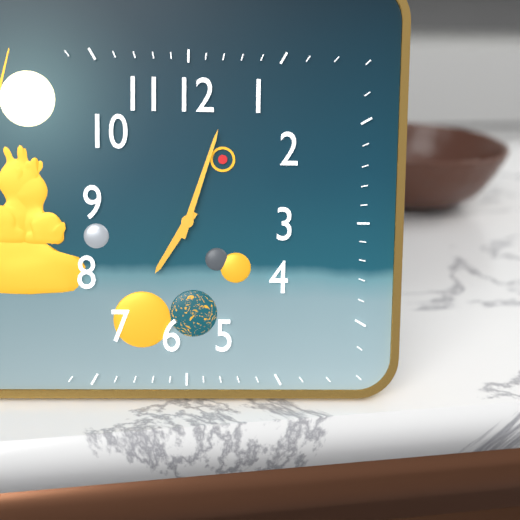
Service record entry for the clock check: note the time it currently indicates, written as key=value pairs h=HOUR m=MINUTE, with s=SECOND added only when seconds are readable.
h=7 m=3
